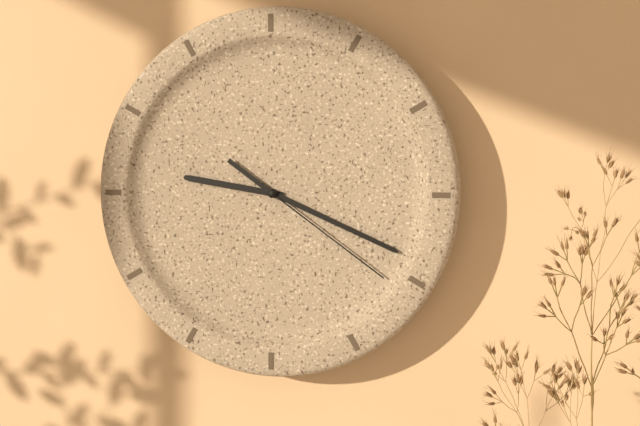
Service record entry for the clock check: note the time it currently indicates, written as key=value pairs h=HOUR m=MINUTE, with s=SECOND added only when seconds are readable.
h=9 m=19 s=21
